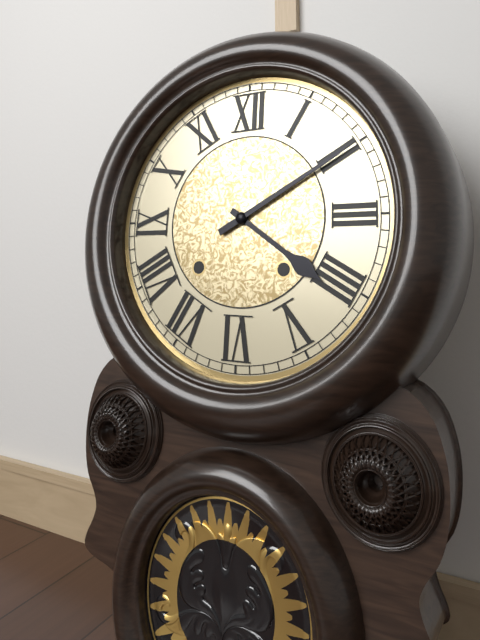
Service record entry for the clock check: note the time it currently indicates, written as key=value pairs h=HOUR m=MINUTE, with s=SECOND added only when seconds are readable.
h=4 m=10
